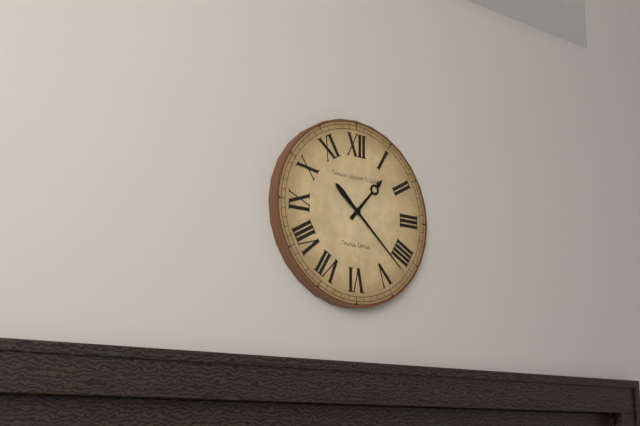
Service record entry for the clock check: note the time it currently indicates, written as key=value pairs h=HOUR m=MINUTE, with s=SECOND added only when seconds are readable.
h=1 m=22
